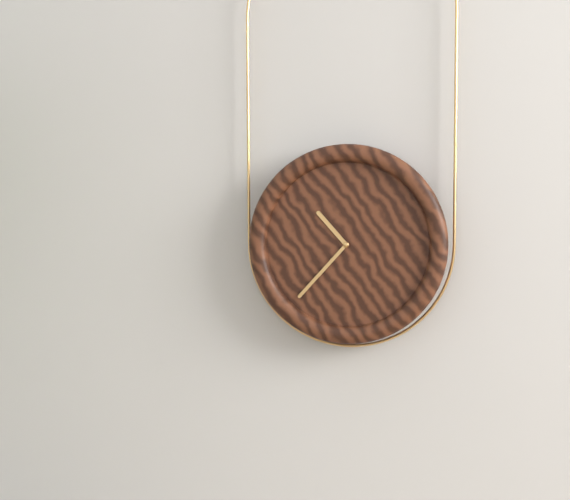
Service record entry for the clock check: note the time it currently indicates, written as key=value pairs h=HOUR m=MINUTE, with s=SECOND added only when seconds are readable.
h=10 m=37
